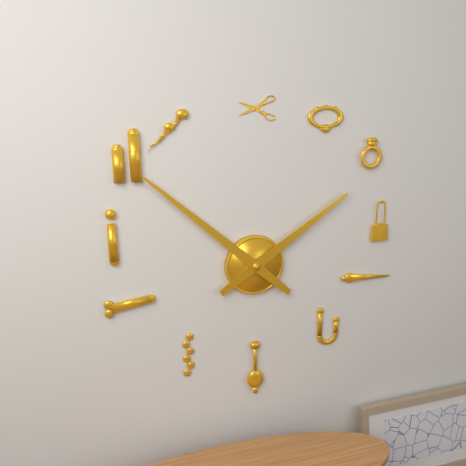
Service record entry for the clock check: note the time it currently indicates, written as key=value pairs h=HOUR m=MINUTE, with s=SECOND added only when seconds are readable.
h=1 m=52
